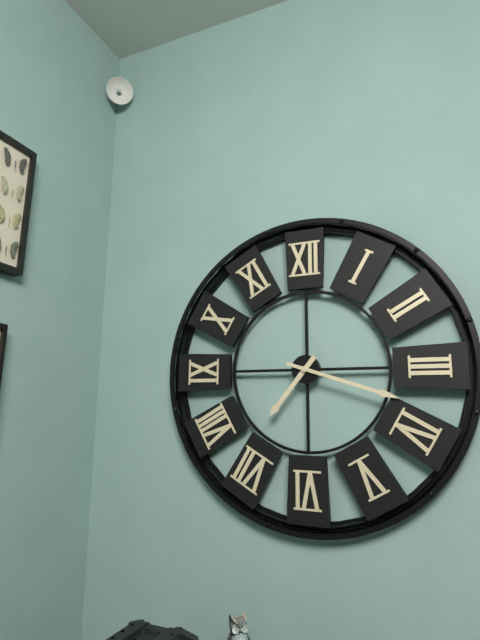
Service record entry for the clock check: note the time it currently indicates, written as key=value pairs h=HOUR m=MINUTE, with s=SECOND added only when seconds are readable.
h=7 m=18
